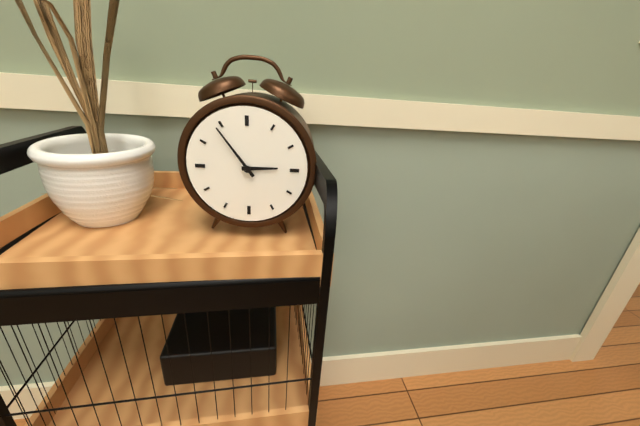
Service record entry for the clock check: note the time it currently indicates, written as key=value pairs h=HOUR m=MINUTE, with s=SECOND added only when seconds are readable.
h=2 m=54
